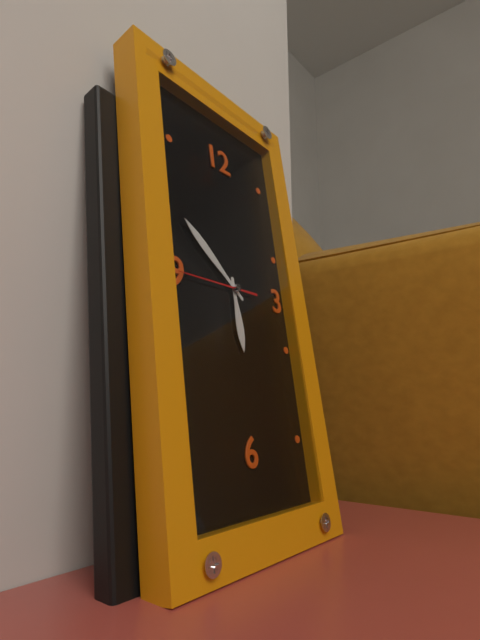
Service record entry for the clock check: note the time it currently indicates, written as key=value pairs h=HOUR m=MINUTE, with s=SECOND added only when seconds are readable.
h=5 m=52 s=45
